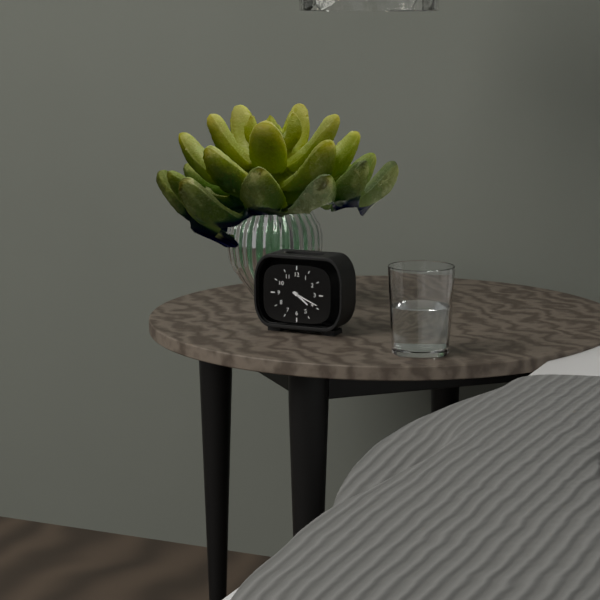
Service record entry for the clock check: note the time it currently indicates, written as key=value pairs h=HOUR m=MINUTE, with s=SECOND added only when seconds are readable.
h=4 m=19
